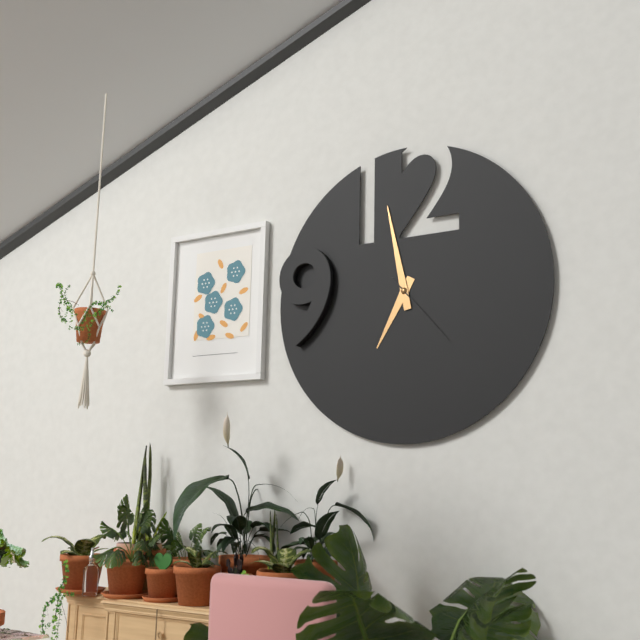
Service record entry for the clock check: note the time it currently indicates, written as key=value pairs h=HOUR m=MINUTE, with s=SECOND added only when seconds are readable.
h=6 m=58 s=23
